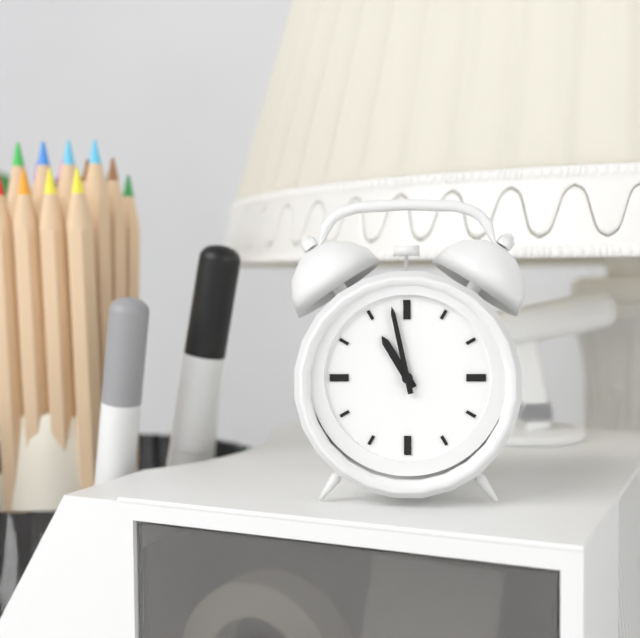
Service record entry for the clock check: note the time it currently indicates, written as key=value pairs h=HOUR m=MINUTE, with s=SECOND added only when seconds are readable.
h=10 m=58
